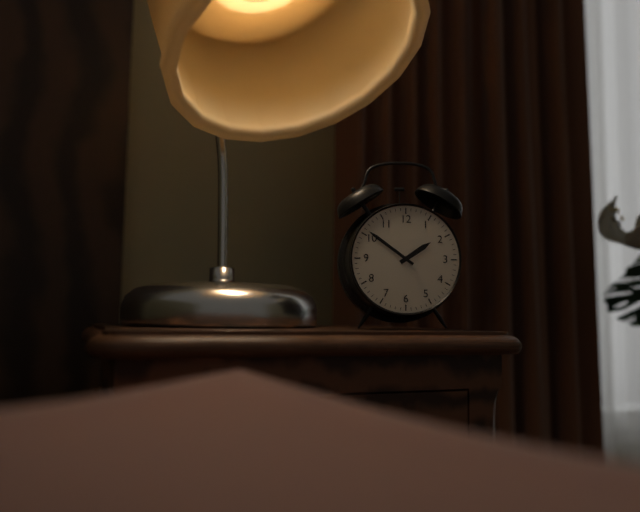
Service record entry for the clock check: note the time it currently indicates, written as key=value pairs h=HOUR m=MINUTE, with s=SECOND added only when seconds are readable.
h=1 m=51
